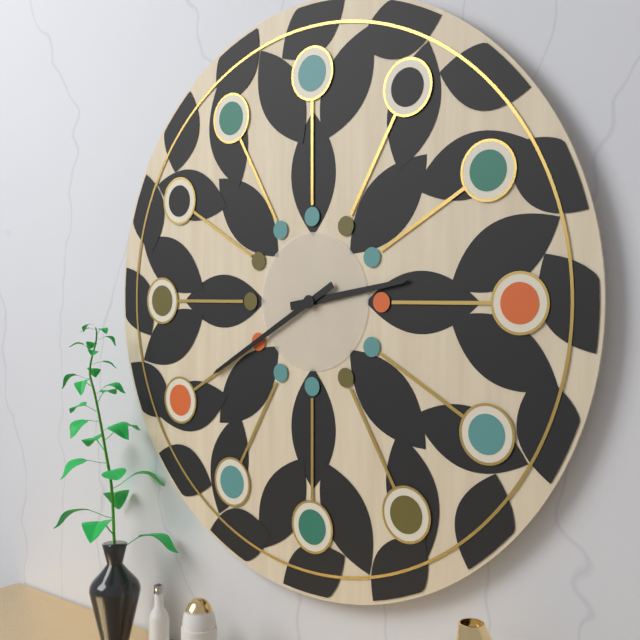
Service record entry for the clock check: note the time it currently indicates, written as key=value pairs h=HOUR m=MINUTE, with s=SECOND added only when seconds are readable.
h=2 m=40
